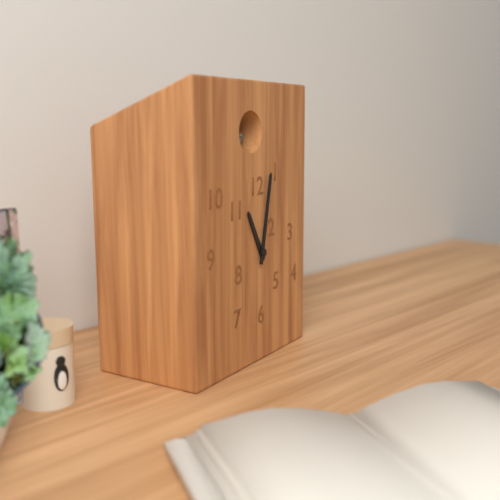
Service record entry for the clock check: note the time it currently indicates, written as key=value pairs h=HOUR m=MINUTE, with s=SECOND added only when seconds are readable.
h=11 m=2
